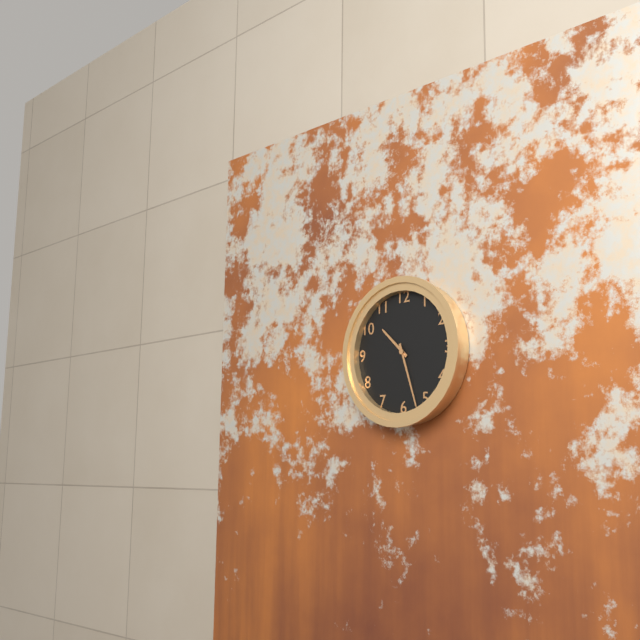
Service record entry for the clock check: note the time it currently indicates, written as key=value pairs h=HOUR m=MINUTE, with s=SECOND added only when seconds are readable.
h=10 m=27
